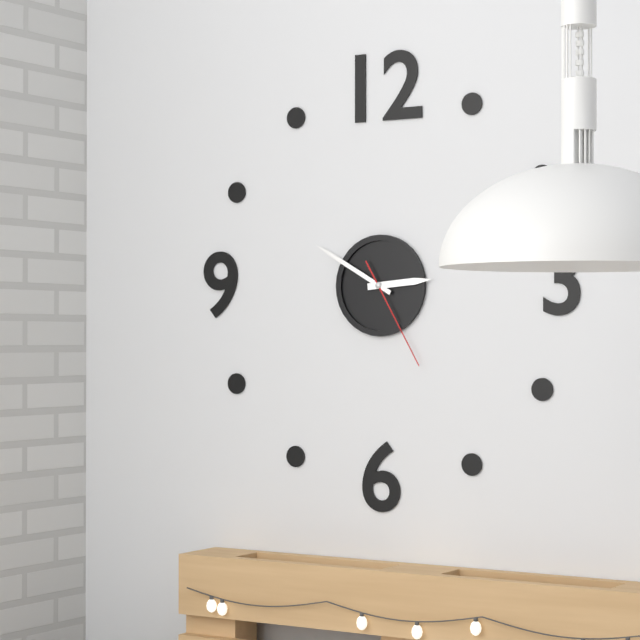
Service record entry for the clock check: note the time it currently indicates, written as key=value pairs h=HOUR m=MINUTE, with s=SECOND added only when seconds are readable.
h=2 m=50 s=25
